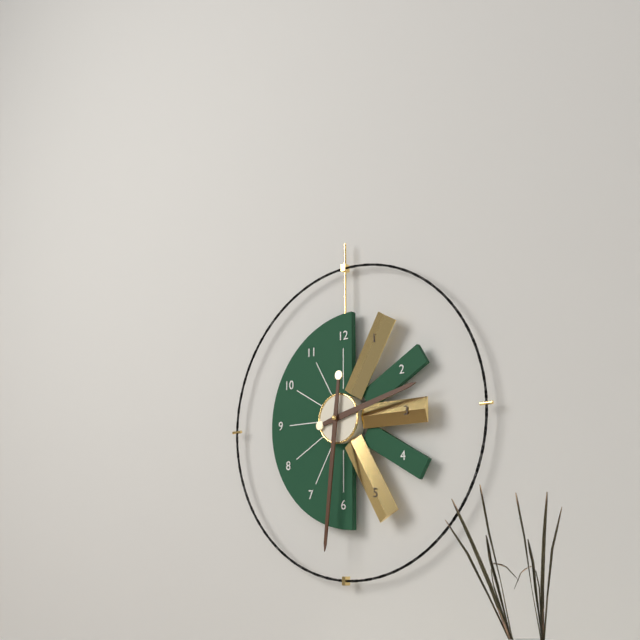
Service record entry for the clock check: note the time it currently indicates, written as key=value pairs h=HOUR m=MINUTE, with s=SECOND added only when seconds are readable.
h=2 m=31
